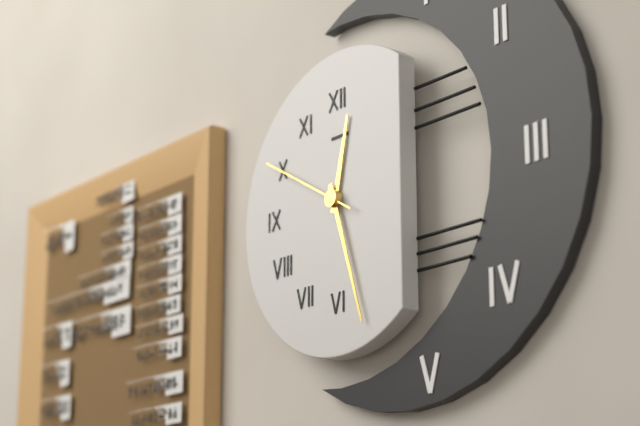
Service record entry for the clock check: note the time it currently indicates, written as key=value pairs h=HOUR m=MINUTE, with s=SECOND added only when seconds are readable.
h=12 m=27 s=50
